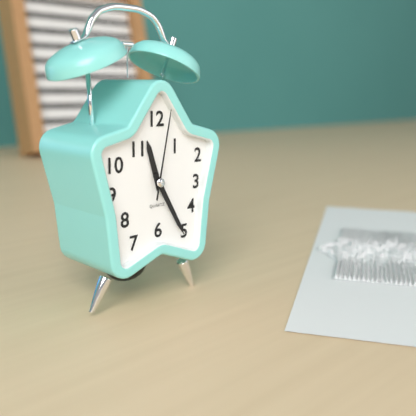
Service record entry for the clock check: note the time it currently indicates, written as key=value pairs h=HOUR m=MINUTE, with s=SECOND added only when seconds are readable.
h=11 m=25 s=2
